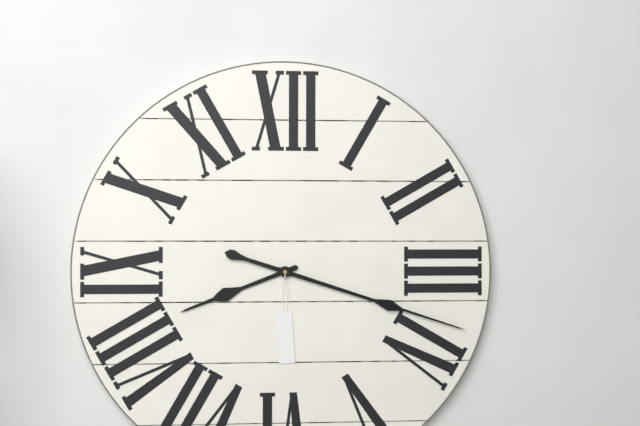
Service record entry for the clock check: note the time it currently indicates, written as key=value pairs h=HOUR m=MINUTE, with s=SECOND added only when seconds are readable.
h=8 m=18
